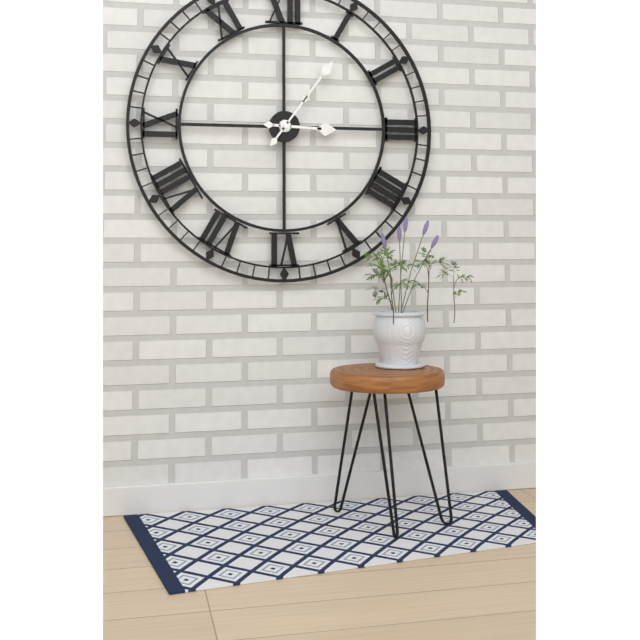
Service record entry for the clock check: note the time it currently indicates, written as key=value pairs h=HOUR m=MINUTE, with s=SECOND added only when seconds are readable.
h=3 m=6
